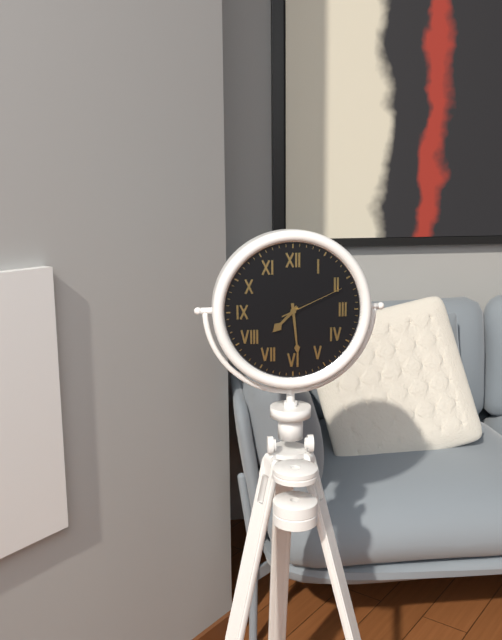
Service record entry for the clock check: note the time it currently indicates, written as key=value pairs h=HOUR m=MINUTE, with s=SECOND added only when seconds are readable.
h=7 m=29 s=11
